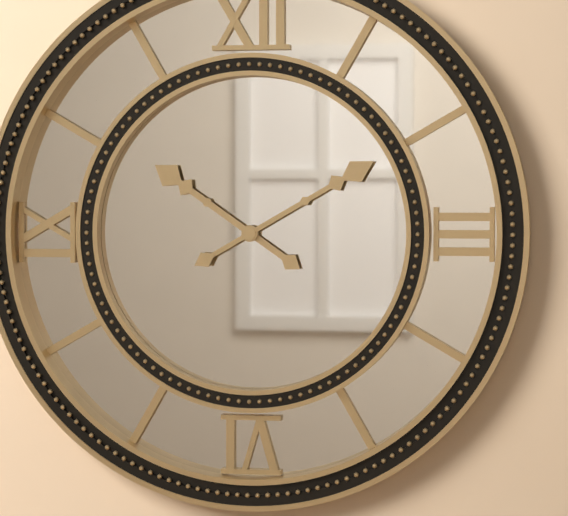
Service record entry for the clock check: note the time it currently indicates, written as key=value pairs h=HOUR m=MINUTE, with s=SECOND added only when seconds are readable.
h=10 m=10
